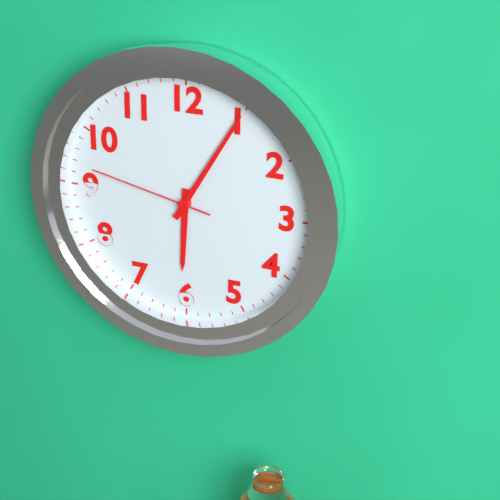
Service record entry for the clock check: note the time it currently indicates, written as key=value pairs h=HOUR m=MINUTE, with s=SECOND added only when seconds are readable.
h=6 m=5 s=47
